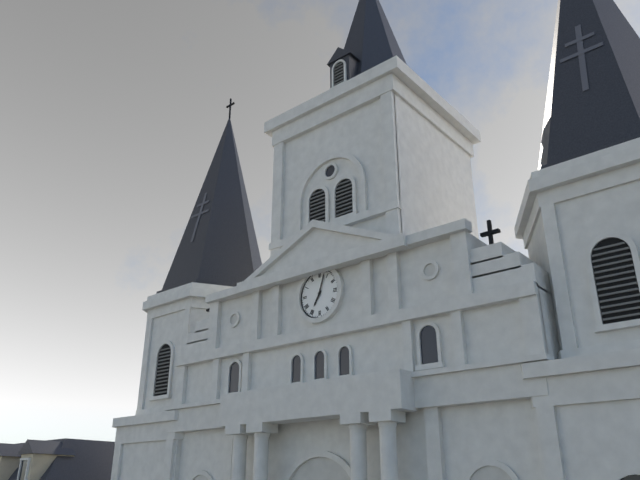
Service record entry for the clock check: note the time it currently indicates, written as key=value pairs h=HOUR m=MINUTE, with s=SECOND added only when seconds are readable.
h=7 m=3
